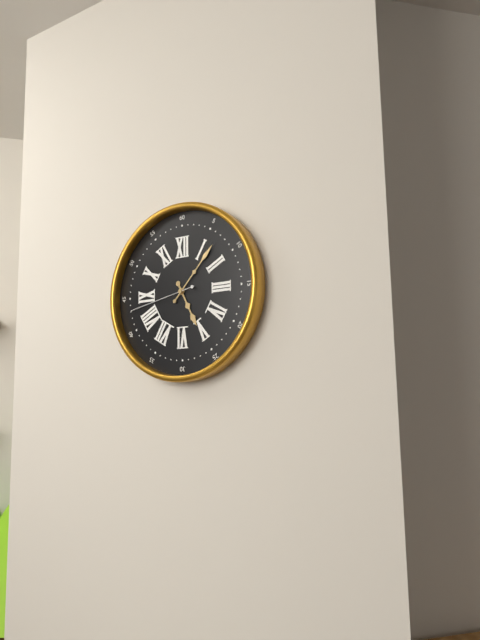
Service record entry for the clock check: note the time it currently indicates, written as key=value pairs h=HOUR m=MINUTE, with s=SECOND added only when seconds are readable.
h=5 m=7 s=43
